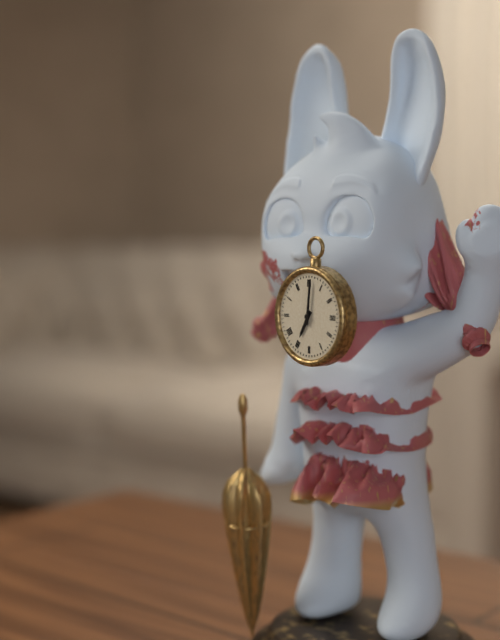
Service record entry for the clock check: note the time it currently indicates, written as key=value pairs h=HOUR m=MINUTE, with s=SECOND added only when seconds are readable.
h=7 m=1
